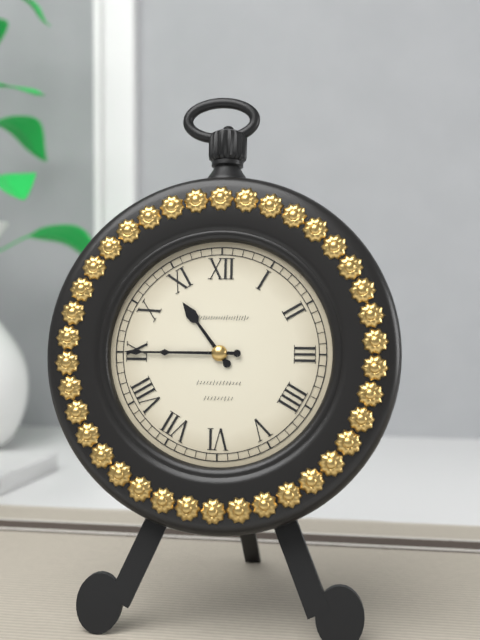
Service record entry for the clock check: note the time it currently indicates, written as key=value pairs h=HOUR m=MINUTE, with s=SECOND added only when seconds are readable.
h=10 m=45
